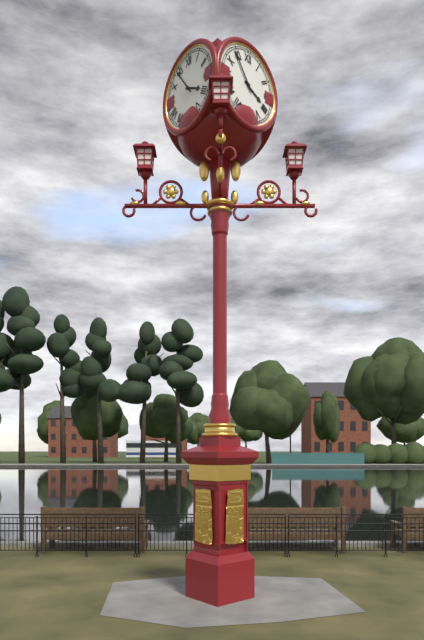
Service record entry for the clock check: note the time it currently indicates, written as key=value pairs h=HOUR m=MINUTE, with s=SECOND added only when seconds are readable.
h=3 m=54
